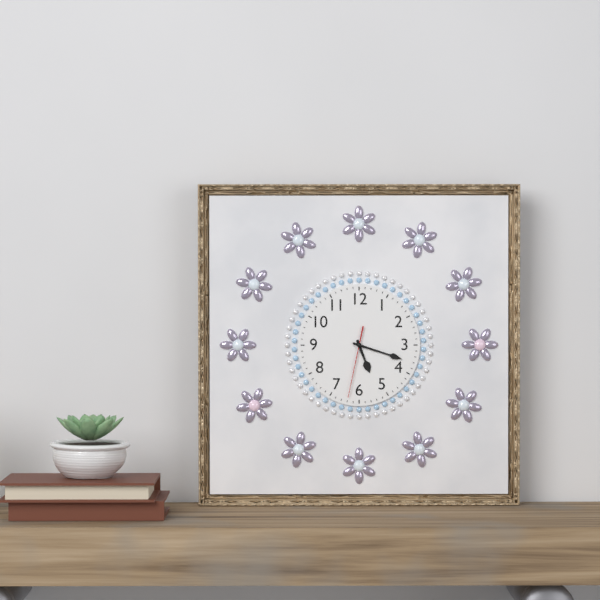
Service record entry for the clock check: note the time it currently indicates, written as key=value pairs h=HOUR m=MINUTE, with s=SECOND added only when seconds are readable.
h=5 m=18 s=32
